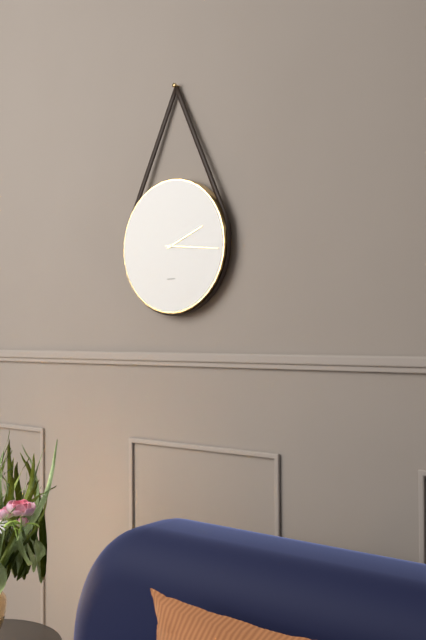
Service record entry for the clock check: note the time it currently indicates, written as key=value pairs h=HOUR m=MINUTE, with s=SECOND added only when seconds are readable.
h=2 m=16
